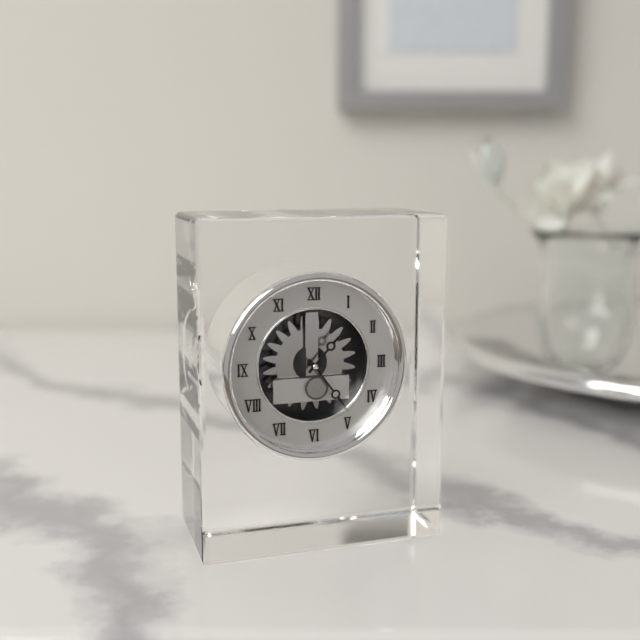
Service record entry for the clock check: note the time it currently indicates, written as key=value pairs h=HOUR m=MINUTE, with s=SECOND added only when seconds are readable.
h=1 m=24
